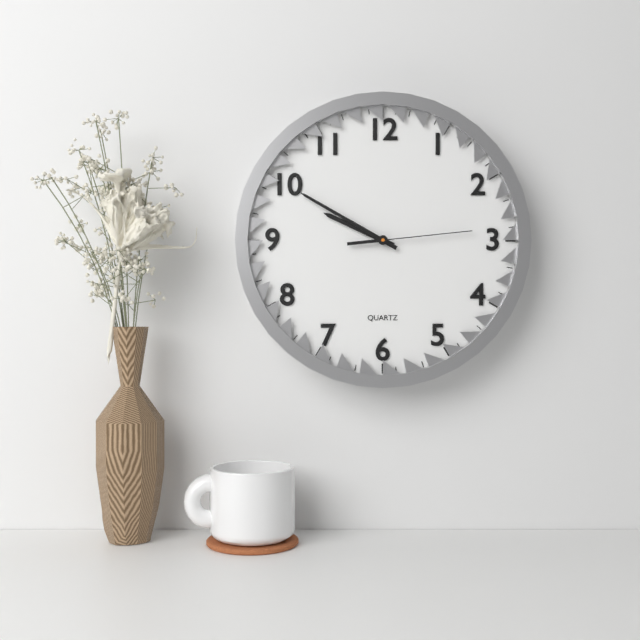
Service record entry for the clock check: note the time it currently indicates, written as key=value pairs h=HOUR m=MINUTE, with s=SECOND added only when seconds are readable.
h=9 m=50 s=14
